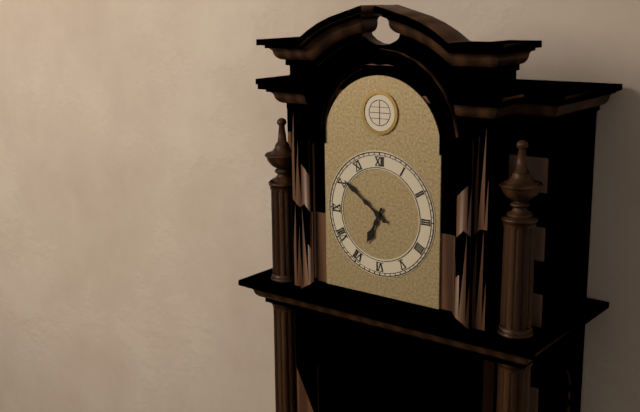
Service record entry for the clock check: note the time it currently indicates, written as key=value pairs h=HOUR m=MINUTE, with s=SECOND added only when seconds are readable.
h=6 m=51
